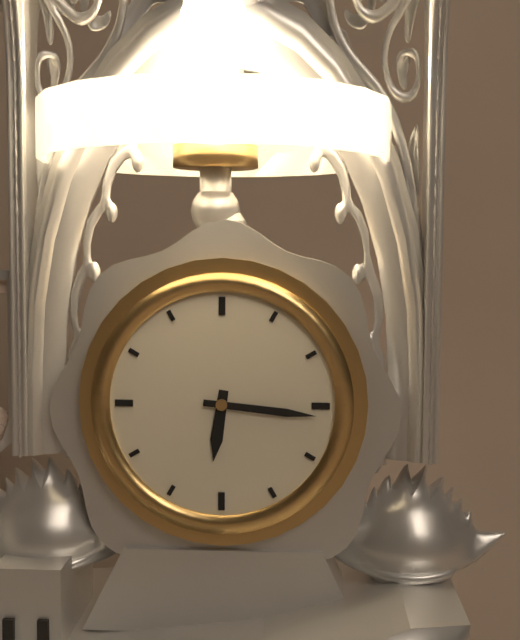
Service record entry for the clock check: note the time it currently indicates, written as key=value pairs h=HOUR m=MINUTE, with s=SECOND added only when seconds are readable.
h=6 m=16
